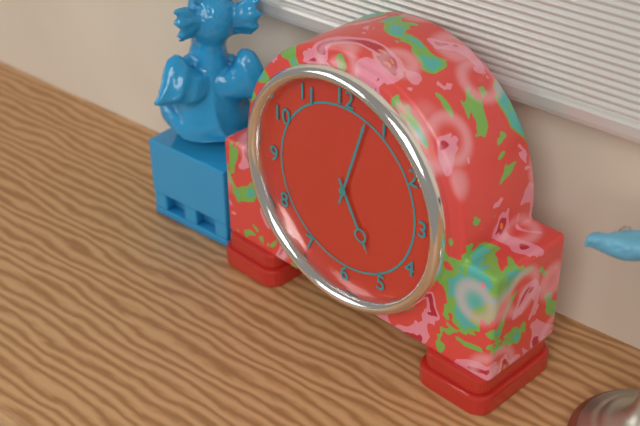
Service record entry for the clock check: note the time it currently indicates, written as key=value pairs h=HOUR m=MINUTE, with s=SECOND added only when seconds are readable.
h=5 m=3
